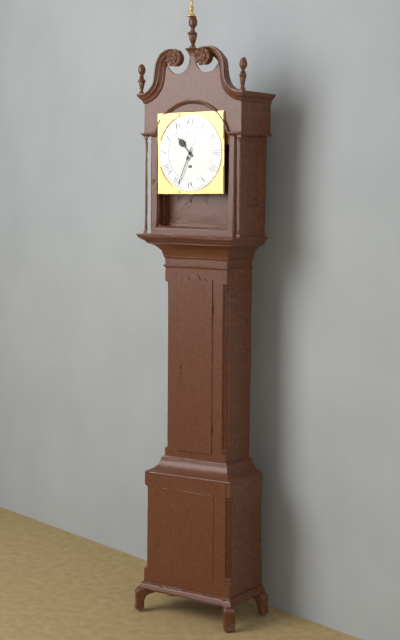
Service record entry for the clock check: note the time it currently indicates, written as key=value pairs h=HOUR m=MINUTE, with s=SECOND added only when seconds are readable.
h=10 m=34
